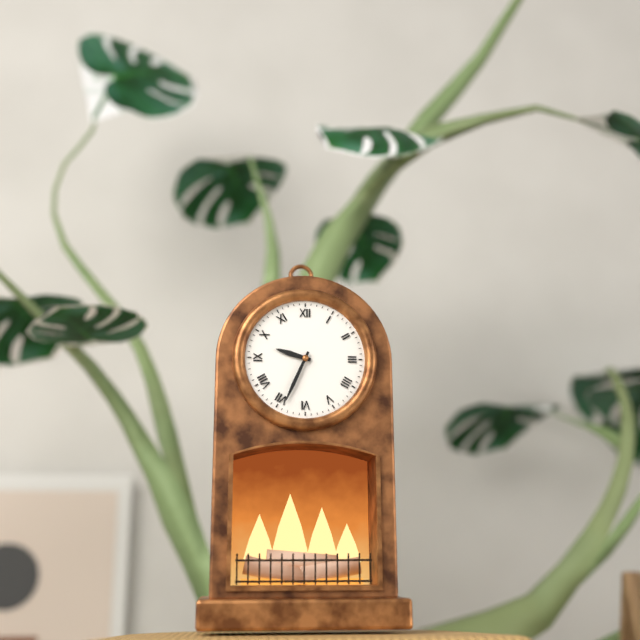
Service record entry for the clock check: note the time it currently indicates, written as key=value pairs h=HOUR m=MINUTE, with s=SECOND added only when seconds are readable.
h=9 m=34
